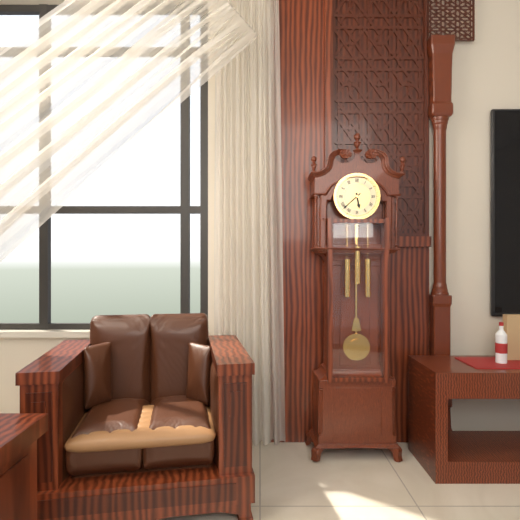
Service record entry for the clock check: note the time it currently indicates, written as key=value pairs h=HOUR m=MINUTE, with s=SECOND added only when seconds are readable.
h=5 m=38
